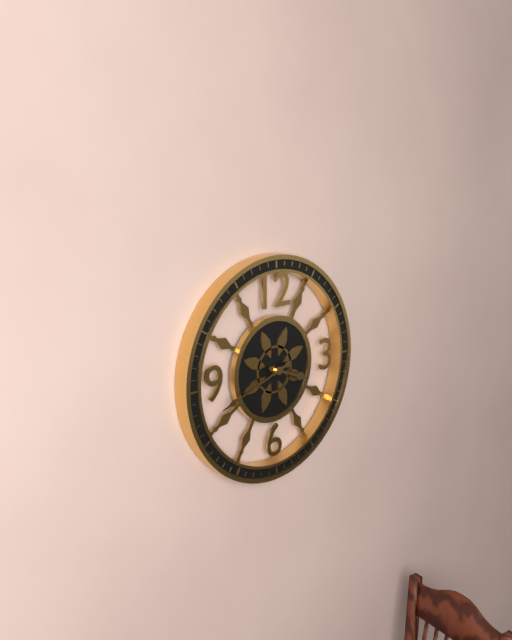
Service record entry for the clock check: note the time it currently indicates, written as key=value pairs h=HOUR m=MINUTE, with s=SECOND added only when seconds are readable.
h=3 m=42
